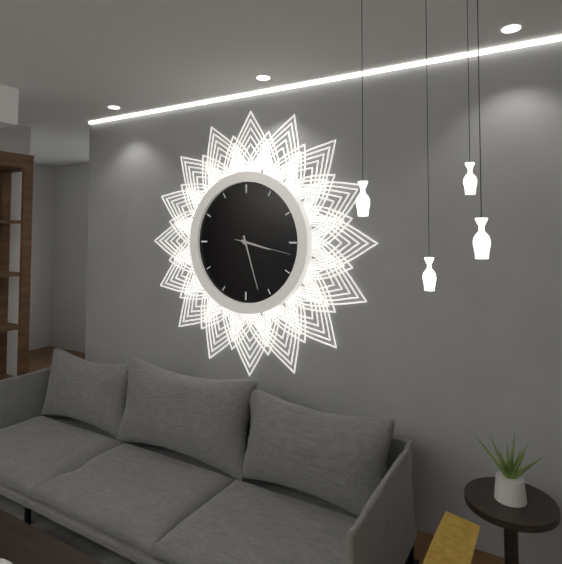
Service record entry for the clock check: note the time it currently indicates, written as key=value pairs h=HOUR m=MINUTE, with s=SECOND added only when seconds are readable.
h=3 m=27 s=17
